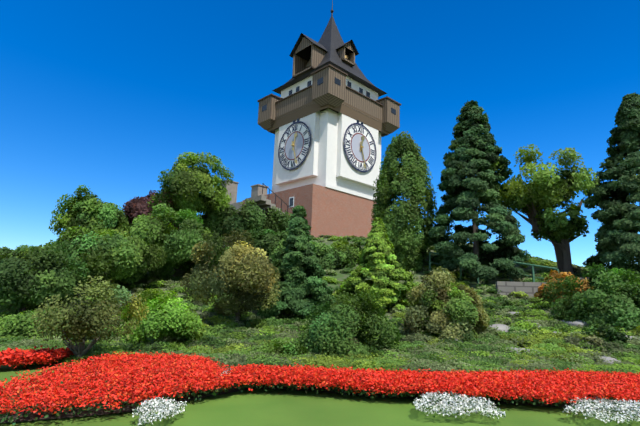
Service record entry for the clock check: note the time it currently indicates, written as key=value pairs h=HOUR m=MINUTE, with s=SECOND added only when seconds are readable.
h=12 m=27
